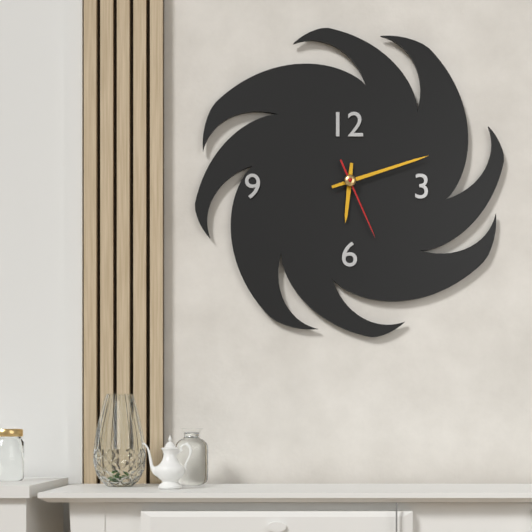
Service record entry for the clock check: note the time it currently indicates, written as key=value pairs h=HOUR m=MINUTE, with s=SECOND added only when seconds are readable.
h=6 m=12 s=26
